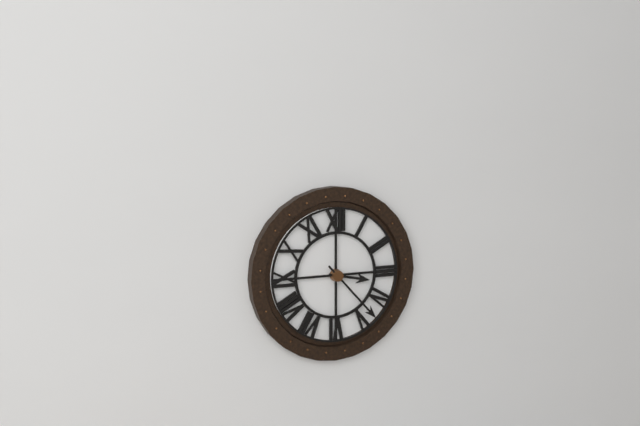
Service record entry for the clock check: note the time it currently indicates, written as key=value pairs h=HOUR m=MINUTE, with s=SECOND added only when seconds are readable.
h=3 m=23
